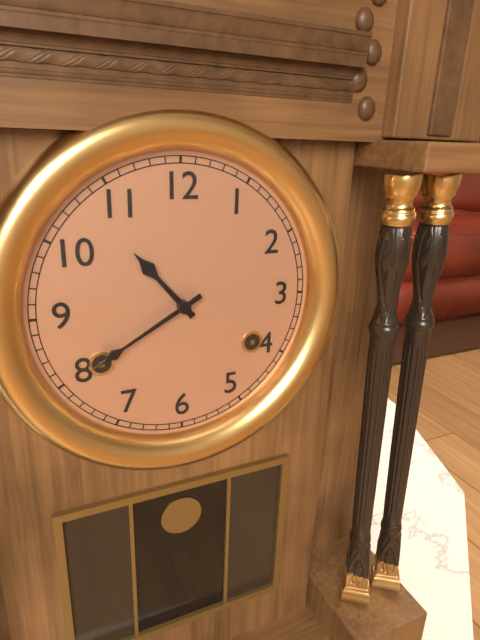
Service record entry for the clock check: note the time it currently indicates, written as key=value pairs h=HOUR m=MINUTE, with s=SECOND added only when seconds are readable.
h=10 m=40
